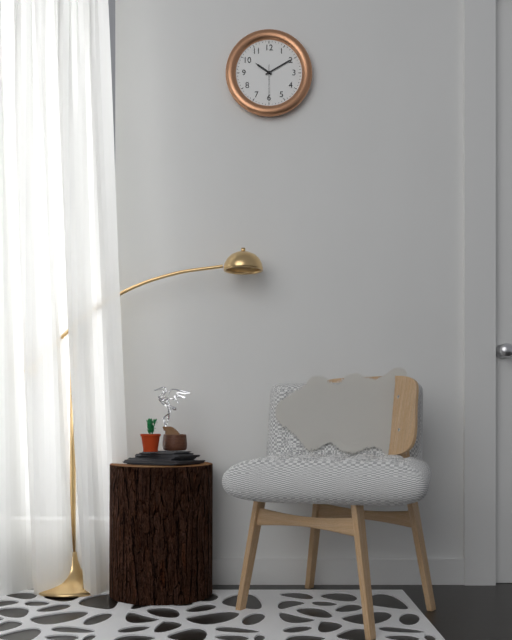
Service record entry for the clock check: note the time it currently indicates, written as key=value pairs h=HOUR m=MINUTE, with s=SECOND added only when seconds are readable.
h=10 m=10
